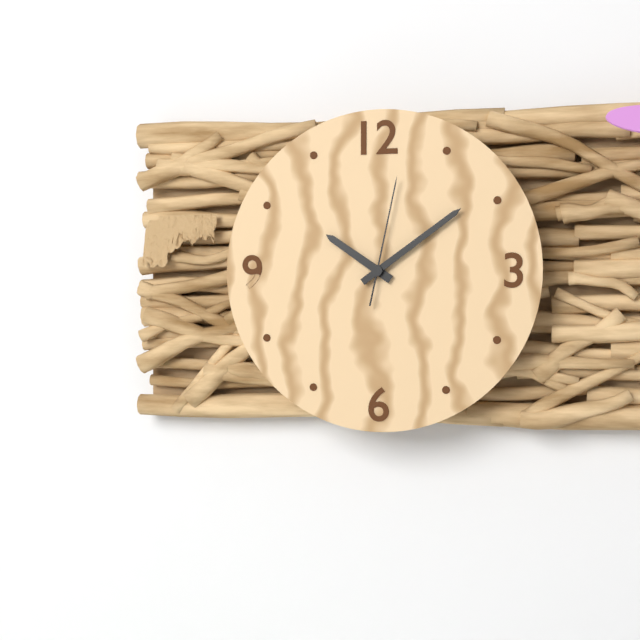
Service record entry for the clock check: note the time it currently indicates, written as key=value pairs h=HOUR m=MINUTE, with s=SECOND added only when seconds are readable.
h=10 m=9 s=2
